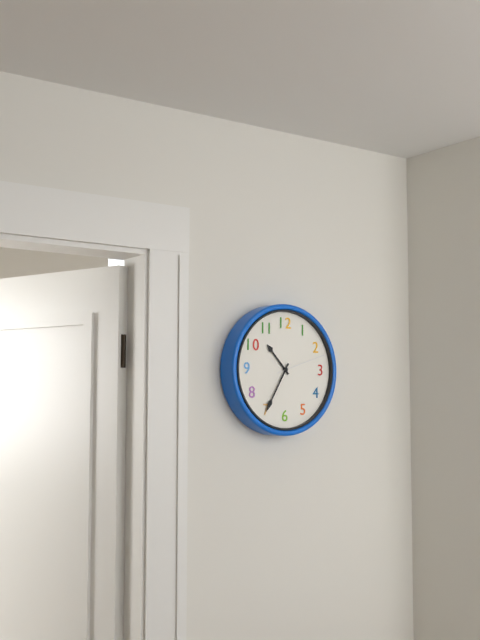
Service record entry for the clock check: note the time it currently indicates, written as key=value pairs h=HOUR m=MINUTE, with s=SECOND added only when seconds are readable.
h=10 m=35 s=12
